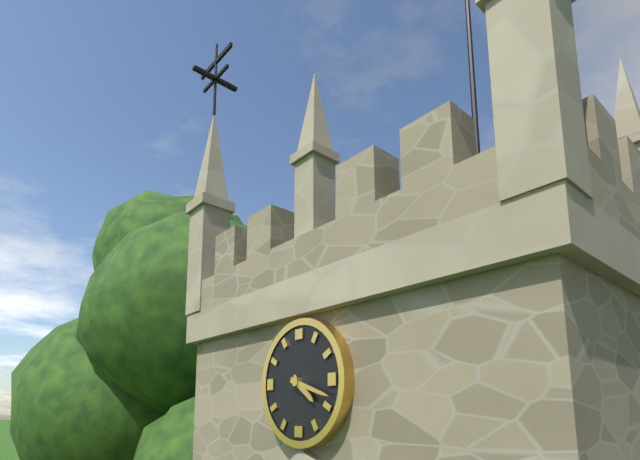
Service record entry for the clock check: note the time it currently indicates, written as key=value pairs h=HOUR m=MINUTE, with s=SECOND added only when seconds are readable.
h=4 m=18
